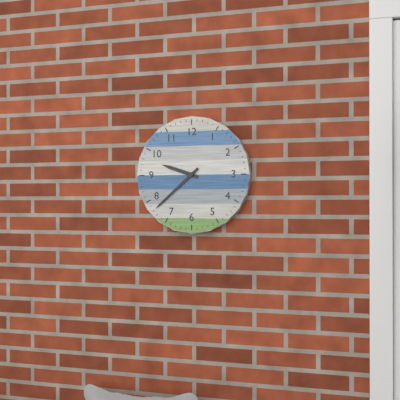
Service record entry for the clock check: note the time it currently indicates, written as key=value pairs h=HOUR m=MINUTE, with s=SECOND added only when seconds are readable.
h=9 m=38
